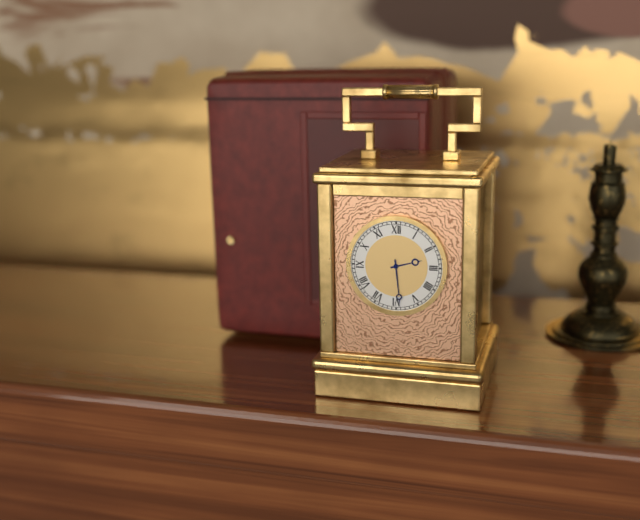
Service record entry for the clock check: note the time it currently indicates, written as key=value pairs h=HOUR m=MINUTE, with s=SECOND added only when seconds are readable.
h=2 m=29
